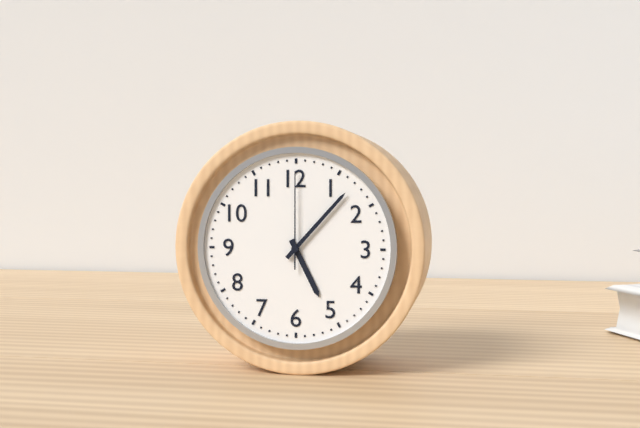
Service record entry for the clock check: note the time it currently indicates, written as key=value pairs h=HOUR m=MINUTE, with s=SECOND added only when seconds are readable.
h=5 m=7 s=0
